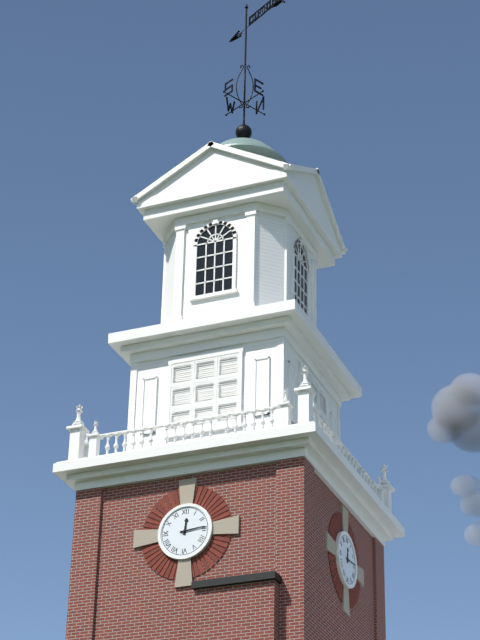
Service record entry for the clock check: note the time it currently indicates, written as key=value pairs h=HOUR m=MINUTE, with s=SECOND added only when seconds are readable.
h=12 m=14
